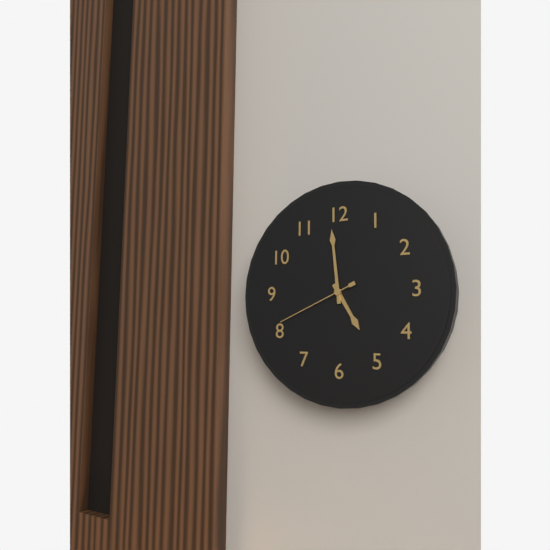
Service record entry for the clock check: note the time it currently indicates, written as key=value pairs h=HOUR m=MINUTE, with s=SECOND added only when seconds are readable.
h=4 m=59 s=41
